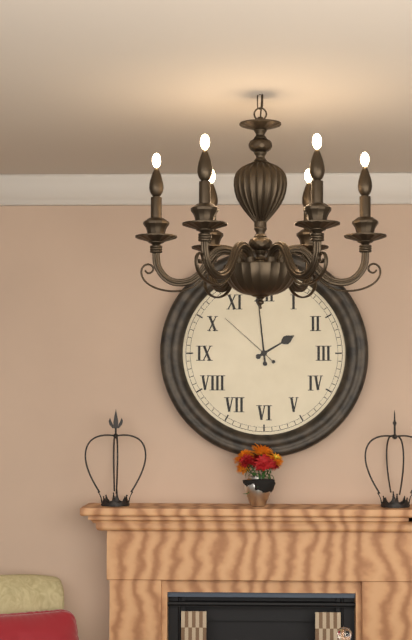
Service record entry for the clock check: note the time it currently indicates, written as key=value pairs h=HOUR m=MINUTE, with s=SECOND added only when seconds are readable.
h=1 m=59 s=52
